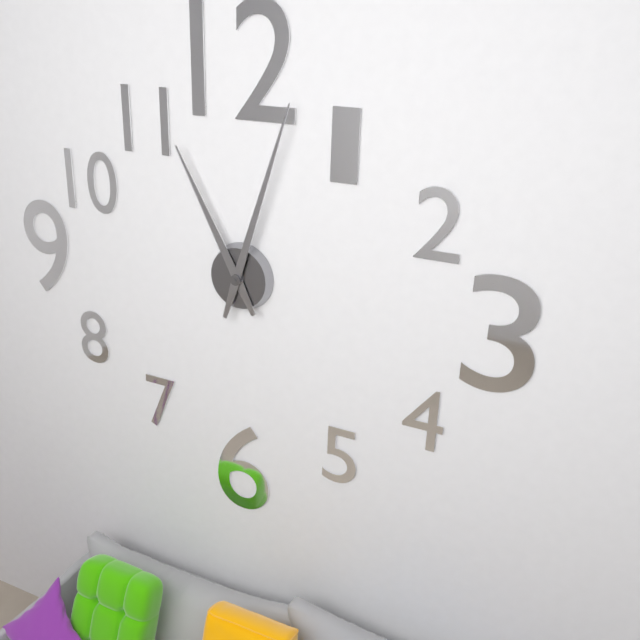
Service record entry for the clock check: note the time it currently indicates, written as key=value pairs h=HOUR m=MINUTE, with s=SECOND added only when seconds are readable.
h=11 m=3
